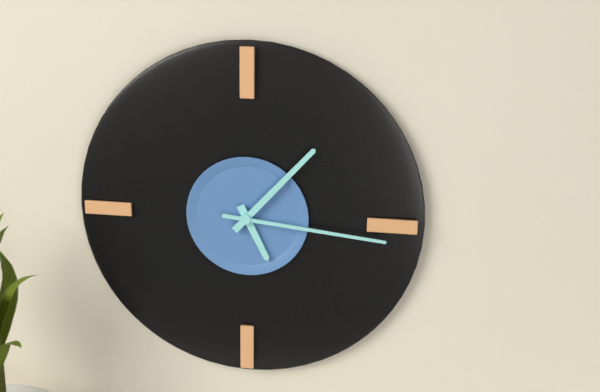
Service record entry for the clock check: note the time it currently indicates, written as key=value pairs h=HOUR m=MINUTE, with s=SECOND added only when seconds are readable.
h=5 m=7 s=16
